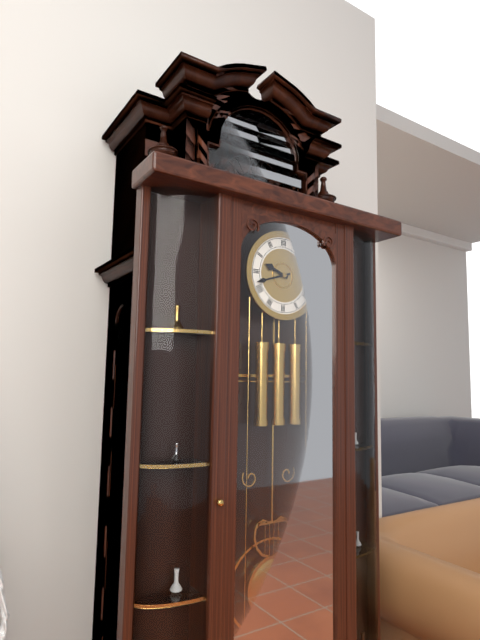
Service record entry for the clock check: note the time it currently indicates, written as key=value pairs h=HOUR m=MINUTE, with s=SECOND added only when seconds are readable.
h=9 m=42
